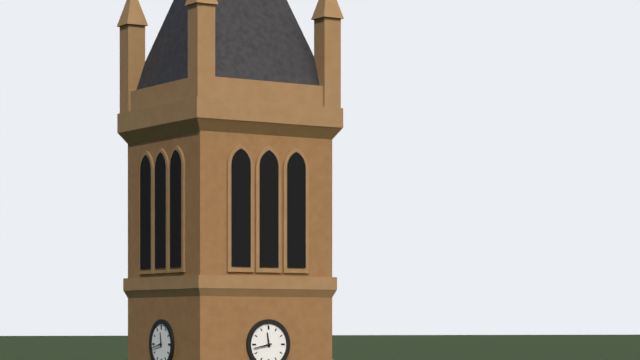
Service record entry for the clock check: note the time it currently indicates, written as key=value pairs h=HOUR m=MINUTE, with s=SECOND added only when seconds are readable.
h=11 m=43
